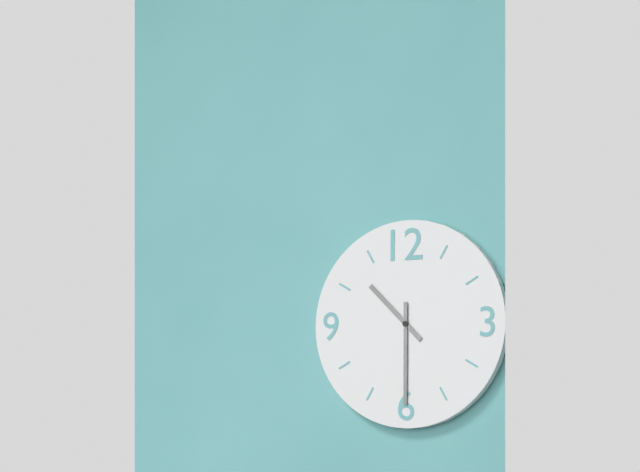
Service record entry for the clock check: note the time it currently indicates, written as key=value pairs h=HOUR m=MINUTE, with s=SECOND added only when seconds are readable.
h=10 m=30
